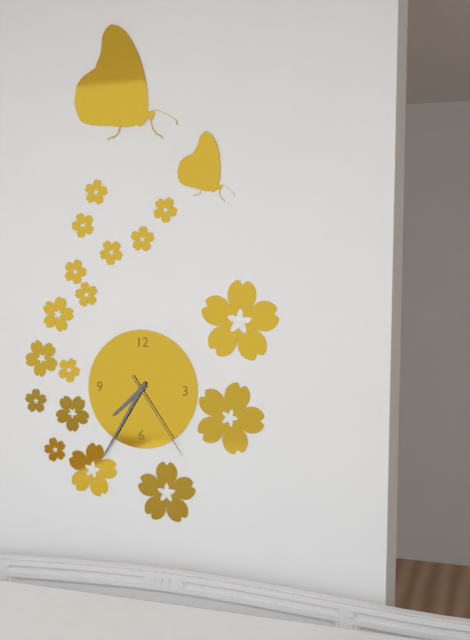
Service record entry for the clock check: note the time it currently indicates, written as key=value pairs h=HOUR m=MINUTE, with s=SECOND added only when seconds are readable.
h=7 m=35 s=24
